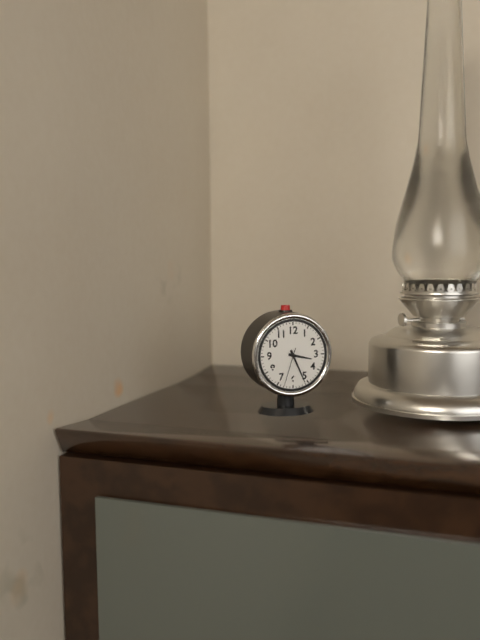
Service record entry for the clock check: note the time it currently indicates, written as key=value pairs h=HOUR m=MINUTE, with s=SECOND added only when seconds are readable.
h=3 m=26
